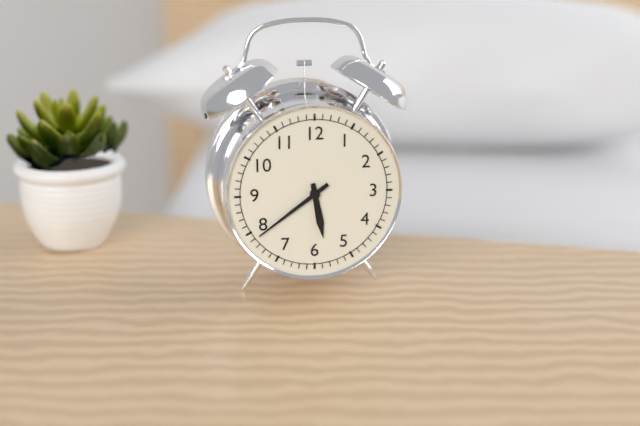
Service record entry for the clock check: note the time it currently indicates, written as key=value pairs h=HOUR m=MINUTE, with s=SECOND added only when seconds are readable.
h=5 m=39
